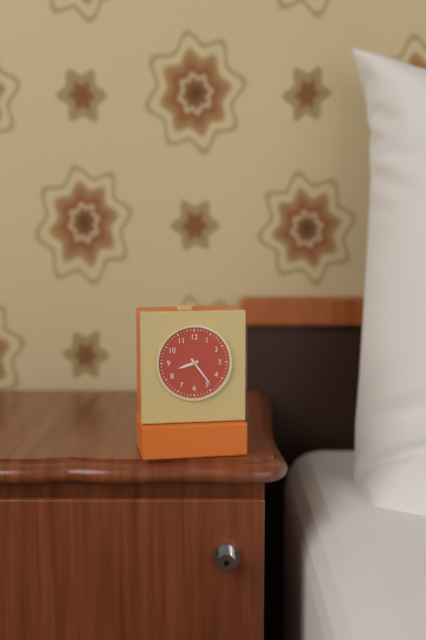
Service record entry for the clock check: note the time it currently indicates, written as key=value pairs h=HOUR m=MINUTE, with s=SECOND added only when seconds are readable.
h=8 m=24
